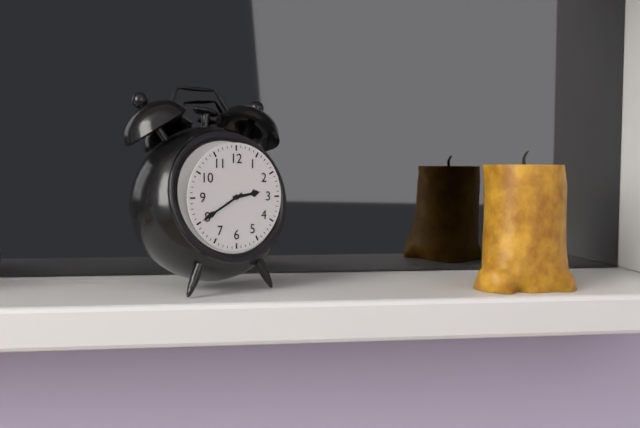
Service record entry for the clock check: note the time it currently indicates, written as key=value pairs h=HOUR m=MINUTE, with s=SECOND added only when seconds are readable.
h=2 m=40
